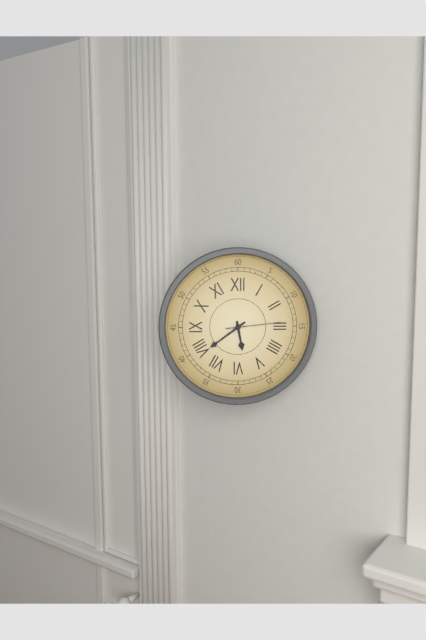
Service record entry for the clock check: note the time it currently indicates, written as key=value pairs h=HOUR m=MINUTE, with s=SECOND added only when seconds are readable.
h=5 m=39 s=14
